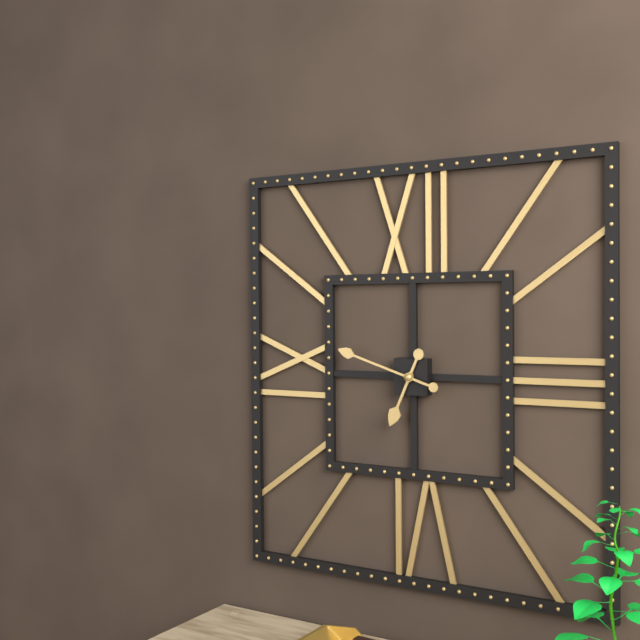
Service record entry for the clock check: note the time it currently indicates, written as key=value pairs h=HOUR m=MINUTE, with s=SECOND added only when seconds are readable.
h=6 m=48
